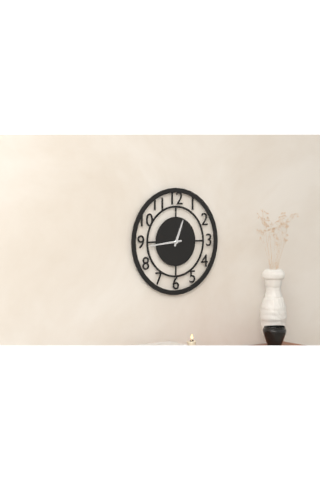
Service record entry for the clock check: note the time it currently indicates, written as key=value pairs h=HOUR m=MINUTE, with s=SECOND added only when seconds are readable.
h=12 m=44
